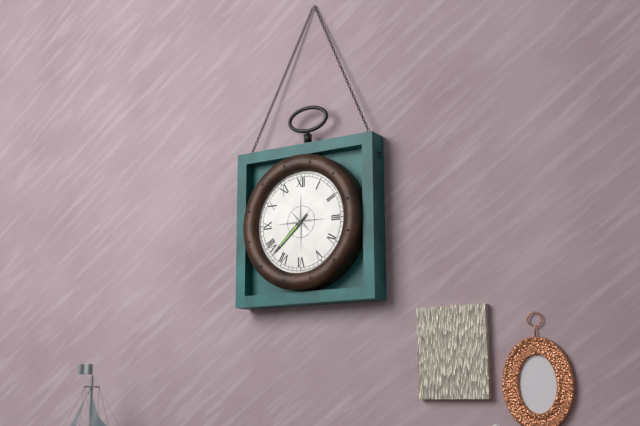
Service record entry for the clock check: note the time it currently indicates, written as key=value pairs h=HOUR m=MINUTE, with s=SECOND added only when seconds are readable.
h=7 m=38
